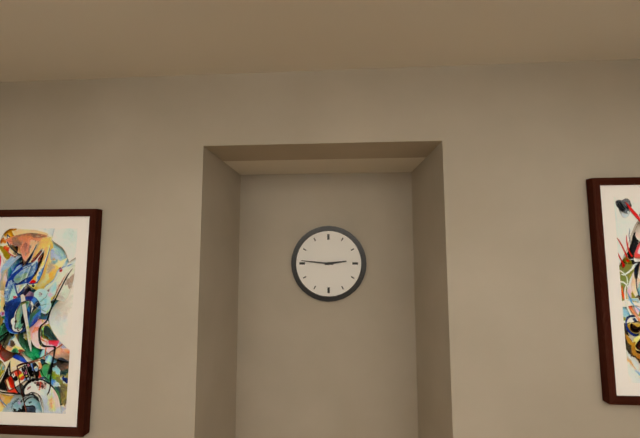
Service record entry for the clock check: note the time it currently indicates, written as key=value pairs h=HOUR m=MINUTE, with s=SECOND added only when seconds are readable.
h=2 m=46
